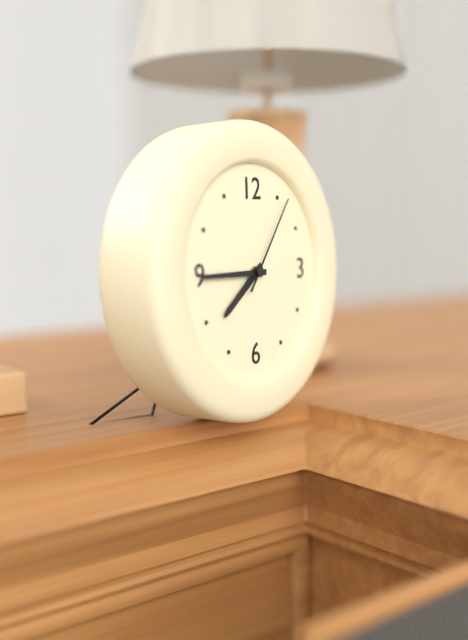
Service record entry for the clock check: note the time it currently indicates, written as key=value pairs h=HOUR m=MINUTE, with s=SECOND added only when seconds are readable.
h=7 m=45 s=6
